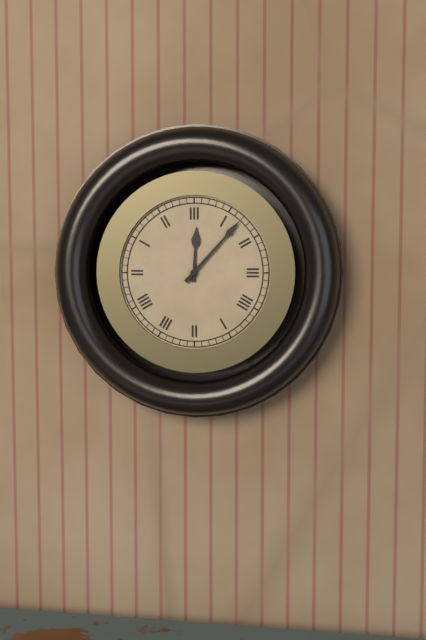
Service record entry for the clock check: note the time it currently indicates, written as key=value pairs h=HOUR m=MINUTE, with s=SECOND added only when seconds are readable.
h=12 m=7
